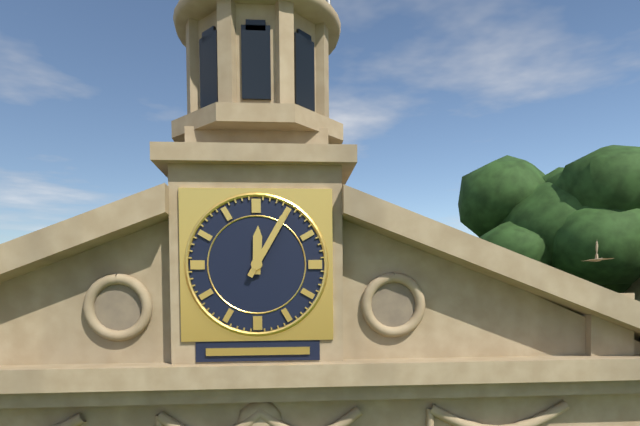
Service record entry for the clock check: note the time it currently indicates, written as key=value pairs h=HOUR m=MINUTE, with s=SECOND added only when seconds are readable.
h=12 m=5
